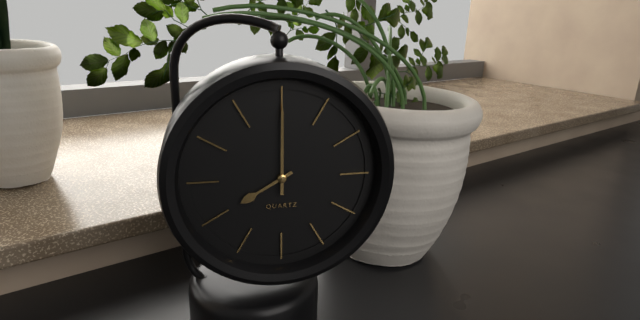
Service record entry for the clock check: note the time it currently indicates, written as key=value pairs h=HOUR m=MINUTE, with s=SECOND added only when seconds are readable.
h=8 m=0
